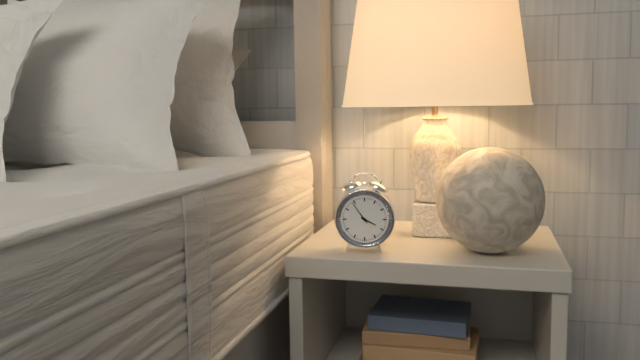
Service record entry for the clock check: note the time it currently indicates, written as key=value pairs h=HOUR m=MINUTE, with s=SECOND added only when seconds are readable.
h=3 m=54
